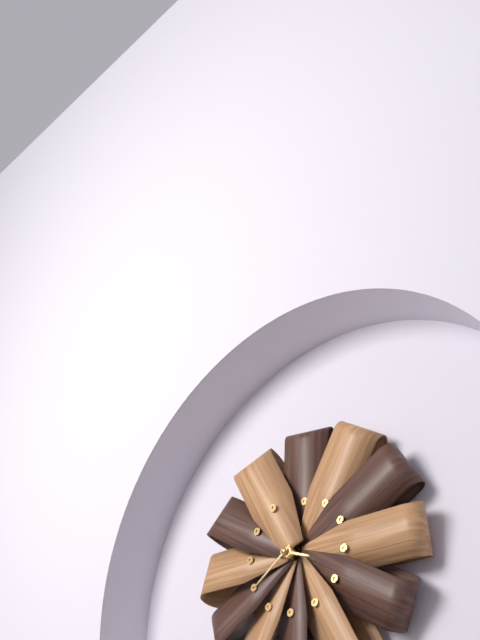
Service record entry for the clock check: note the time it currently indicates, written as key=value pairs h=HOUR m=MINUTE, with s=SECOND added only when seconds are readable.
h=3 m=39
